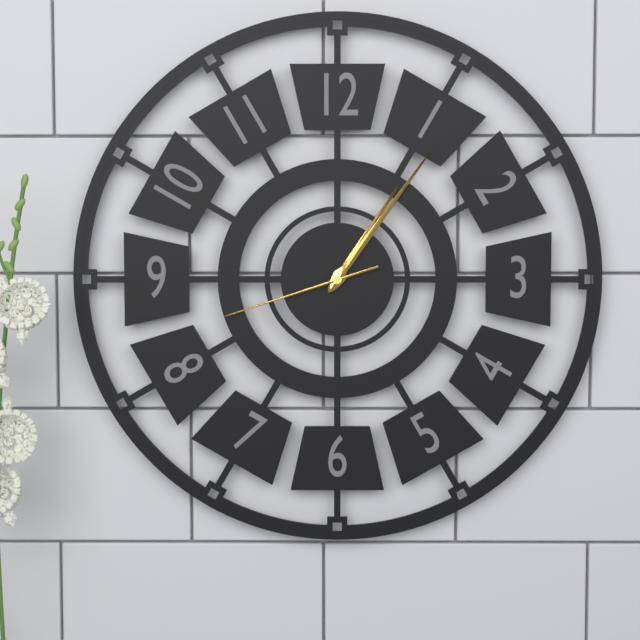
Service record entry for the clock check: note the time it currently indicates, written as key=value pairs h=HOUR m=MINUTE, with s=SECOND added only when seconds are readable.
h=1 m=6 s=42
